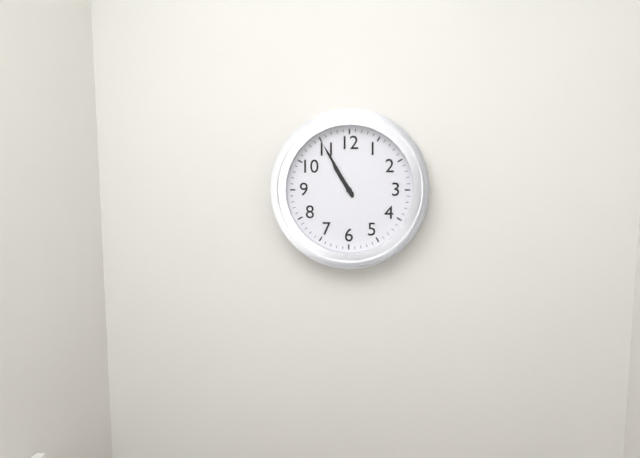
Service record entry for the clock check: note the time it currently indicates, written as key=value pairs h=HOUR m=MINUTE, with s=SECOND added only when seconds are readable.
h=10 m=55
